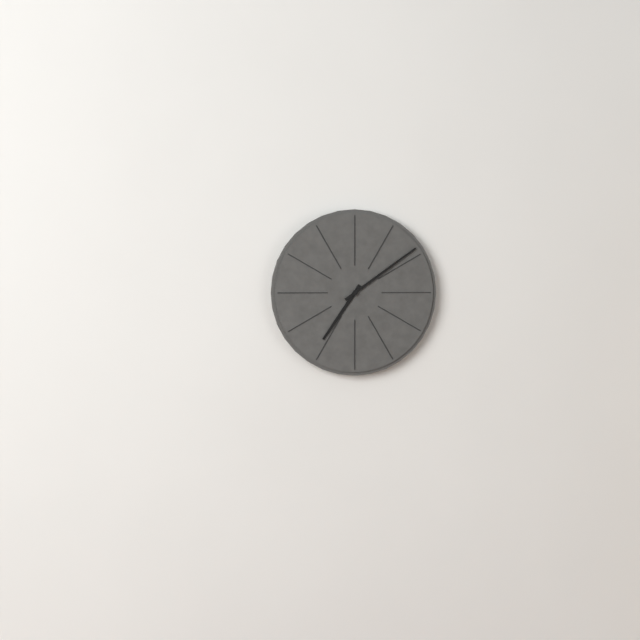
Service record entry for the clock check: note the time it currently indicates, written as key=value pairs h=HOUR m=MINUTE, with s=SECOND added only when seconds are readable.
h=7 m=9
